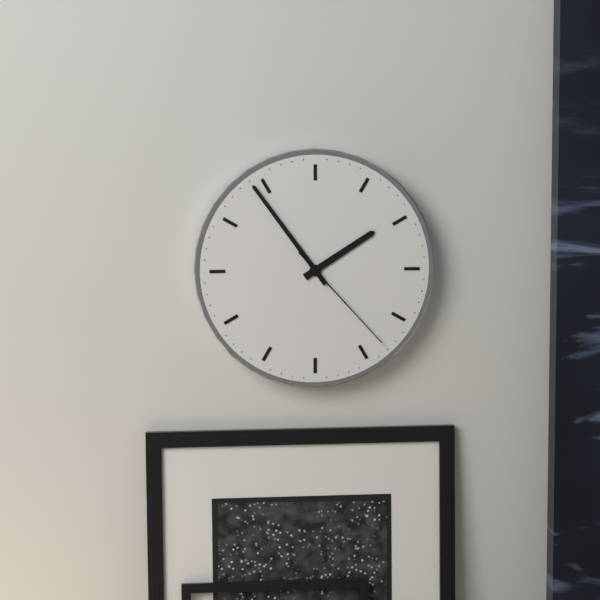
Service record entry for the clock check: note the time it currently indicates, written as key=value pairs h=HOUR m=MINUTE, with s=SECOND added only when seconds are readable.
h=1 m=54 s=23
